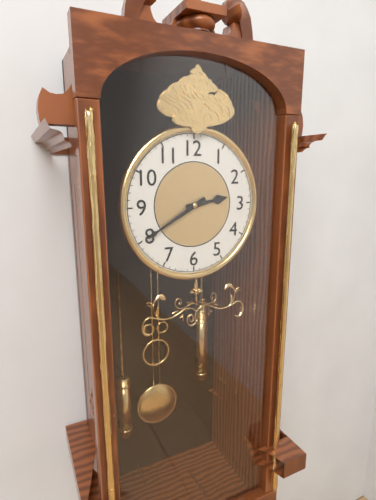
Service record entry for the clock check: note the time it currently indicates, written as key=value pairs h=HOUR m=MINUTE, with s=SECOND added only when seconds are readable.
h=2 m=40
